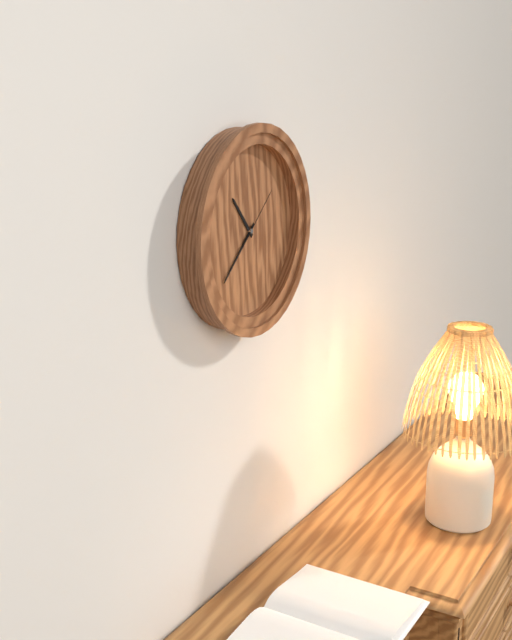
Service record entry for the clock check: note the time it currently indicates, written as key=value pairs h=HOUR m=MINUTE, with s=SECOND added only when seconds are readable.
h=10 m=38 s=8
